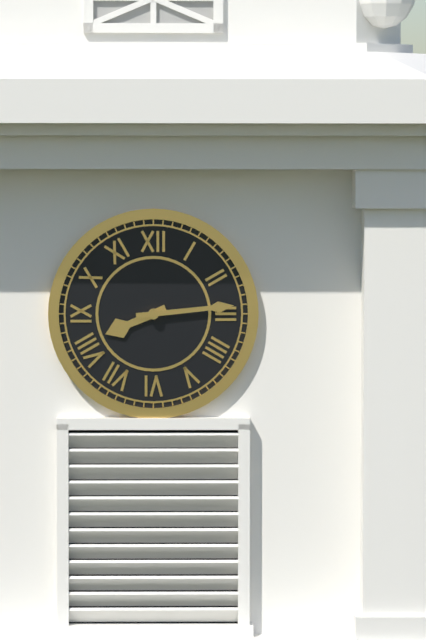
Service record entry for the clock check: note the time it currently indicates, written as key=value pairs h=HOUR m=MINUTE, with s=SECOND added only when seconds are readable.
h=8 m=14
